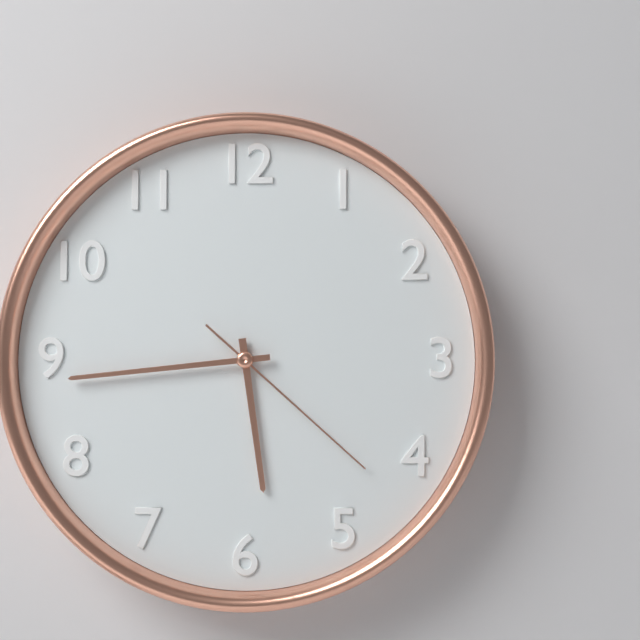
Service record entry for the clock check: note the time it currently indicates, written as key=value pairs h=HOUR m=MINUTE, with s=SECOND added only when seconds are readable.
h=5 m=44 s=22
